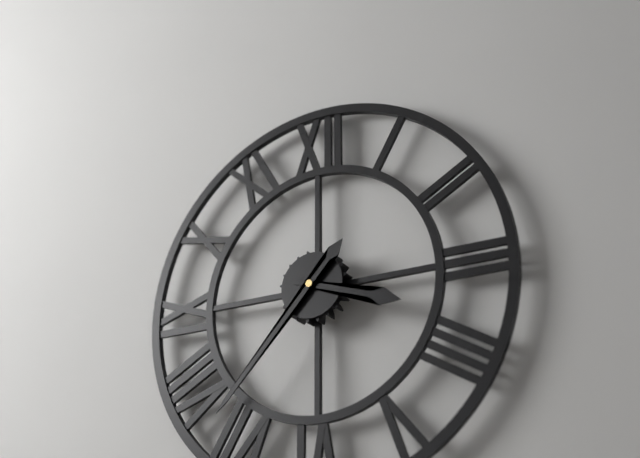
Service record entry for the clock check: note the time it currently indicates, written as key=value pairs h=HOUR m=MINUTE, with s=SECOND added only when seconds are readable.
h=3 m=37
